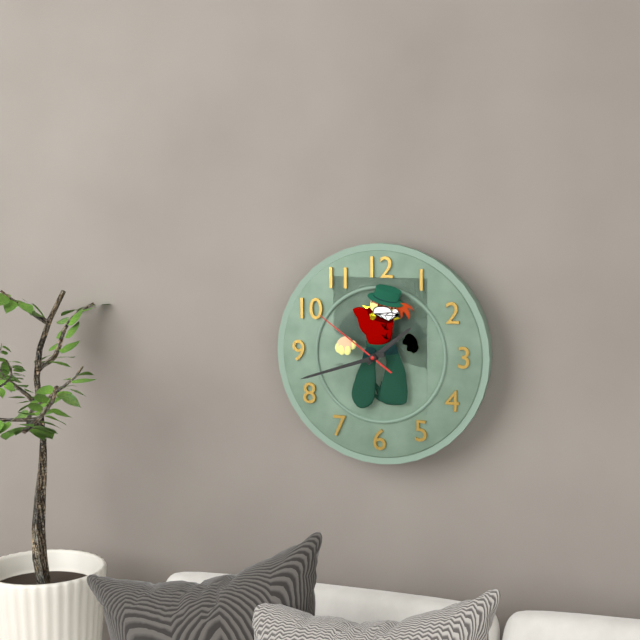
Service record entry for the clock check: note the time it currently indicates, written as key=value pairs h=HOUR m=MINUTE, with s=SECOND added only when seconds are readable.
h=1 m=42 s=51
